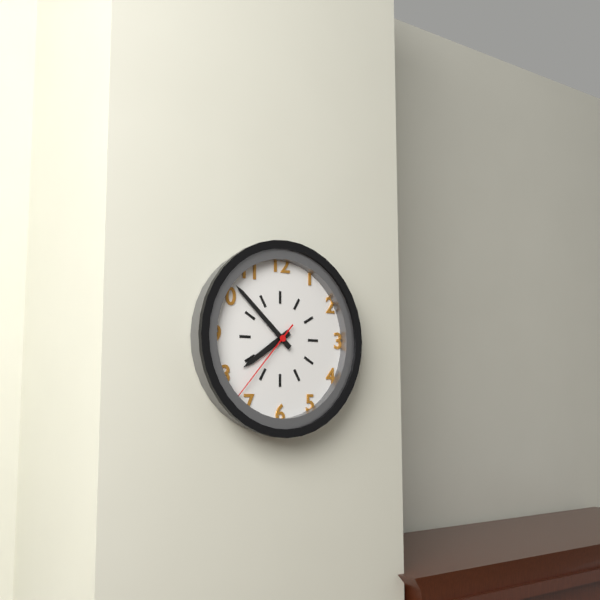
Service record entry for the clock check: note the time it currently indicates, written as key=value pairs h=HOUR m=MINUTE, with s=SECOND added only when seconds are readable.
h=7 m=52 s=37
